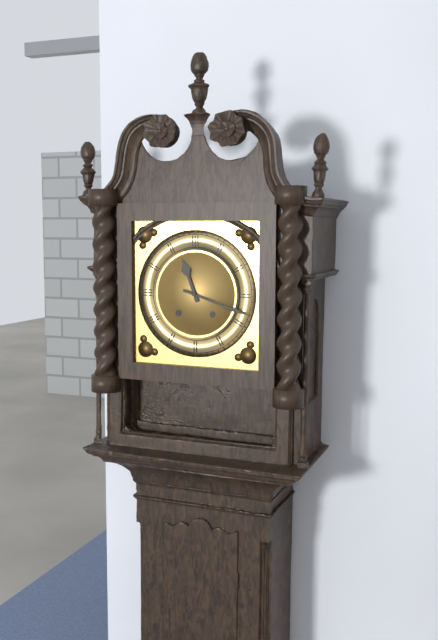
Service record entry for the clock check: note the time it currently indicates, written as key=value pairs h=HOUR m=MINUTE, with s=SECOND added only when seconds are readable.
h=11 m=18
